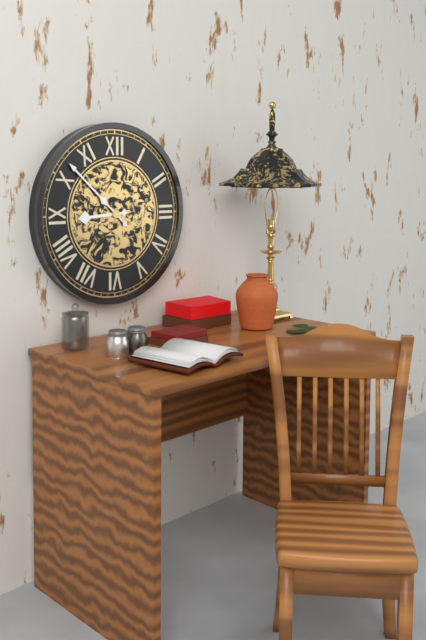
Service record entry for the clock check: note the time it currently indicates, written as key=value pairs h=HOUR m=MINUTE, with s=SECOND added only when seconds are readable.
h=8 m=52
